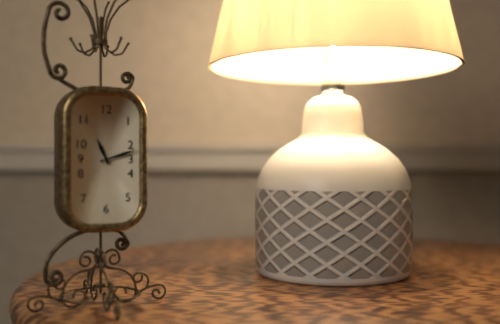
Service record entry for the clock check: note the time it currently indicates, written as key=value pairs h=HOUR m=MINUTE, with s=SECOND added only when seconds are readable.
h=11 m=12
